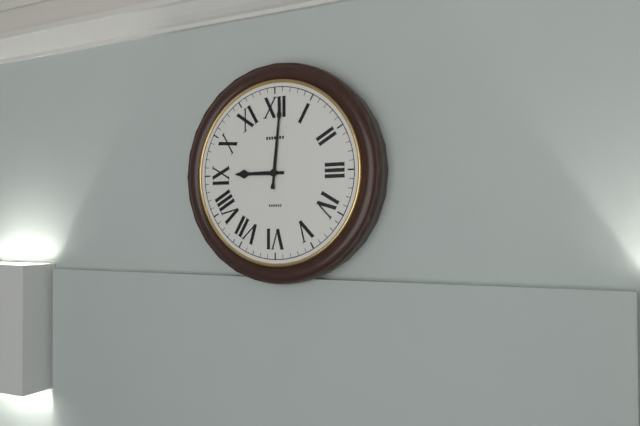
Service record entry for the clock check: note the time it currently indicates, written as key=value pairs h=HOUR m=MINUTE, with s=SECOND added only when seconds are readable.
h=9 m=1
